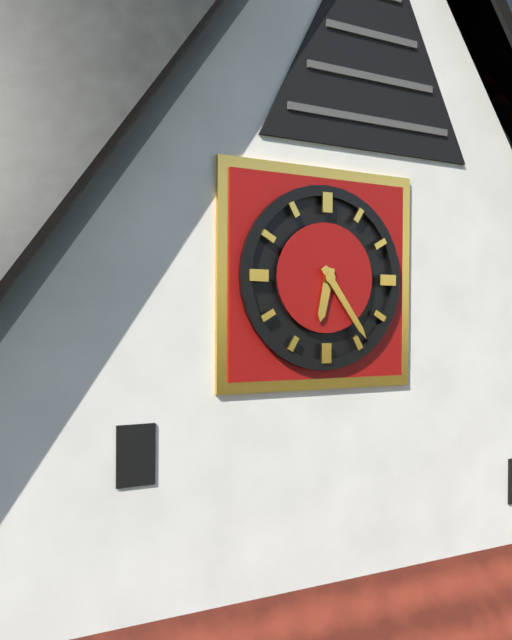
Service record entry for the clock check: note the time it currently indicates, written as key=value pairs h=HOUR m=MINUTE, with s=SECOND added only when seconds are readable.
h=6 m=24
